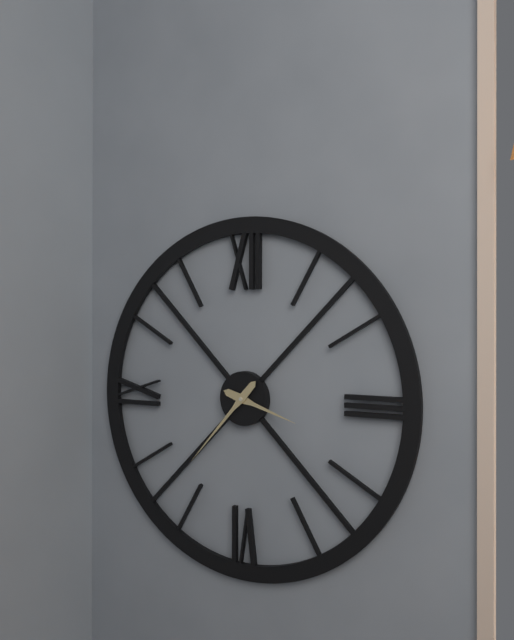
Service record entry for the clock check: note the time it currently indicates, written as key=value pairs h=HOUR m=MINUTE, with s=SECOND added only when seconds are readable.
h=3 m=37
